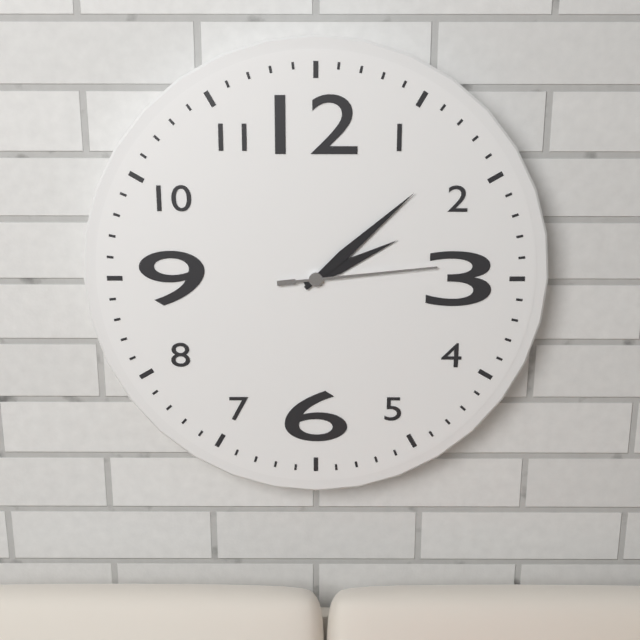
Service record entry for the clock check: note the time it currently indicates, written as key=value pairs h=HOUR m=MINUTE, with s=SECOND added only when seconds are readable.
h=2 m=8 s=14
